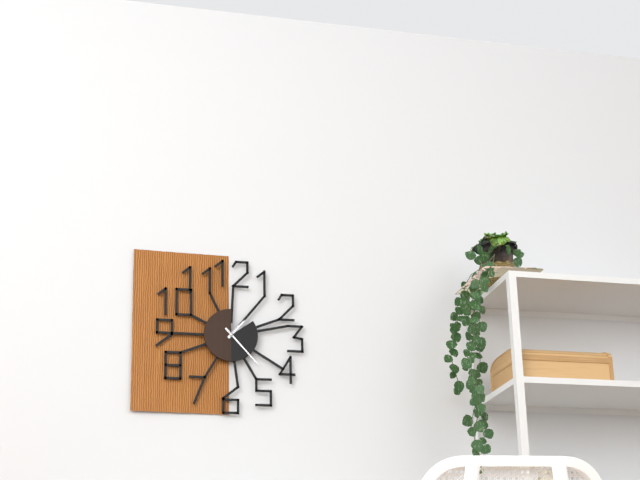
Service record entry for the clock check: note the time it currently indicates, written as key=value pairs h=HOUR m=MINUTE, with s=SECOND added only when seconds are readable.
h=1 m=23
